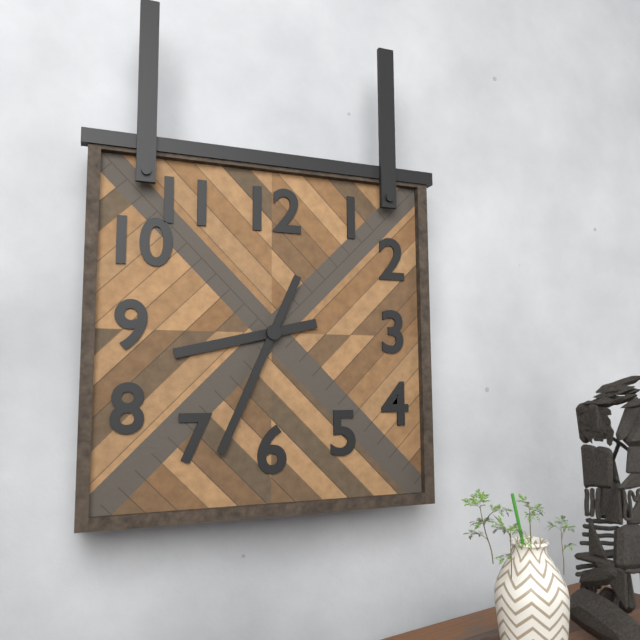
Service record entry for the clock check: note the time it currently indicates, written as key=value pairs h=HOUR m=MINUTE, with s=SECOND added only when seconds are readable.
h=8 m=34
